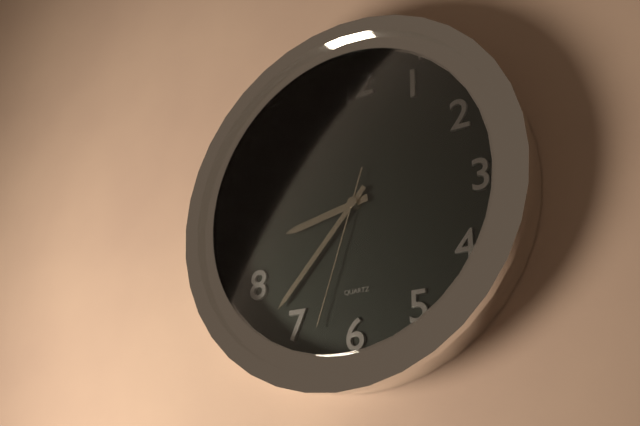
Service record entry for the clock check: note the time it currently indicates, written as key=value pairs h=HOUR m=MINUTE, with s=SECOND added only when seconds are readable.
h=8 m=37 s=33
